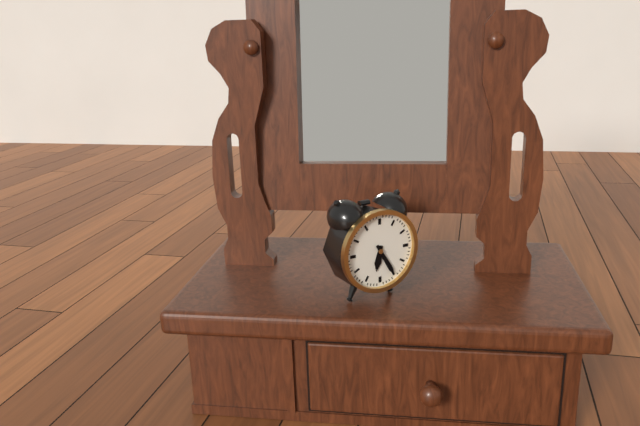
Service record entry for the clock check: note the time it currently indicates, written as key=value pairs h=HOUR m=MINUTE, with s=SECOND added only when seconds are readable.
h=6 m=25
